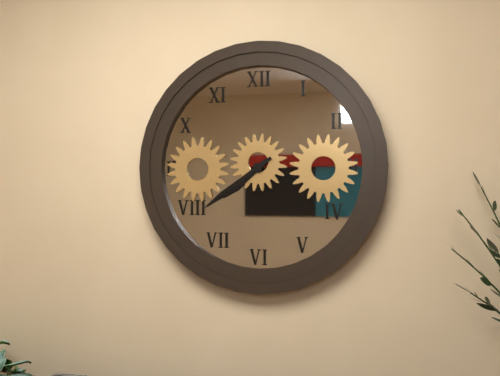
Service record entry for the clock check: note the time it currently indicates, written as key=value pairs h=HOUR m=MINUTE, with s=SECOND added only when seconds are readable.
h=7 m=39
